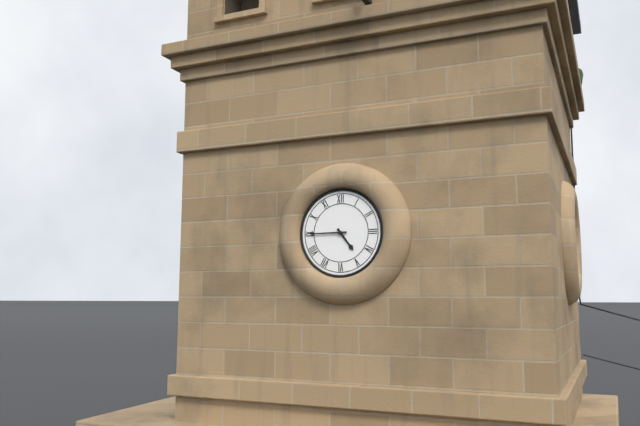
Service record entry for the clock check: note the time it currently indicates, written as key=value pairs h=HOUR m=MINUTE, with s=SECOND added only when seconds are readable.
h=4 m=45
